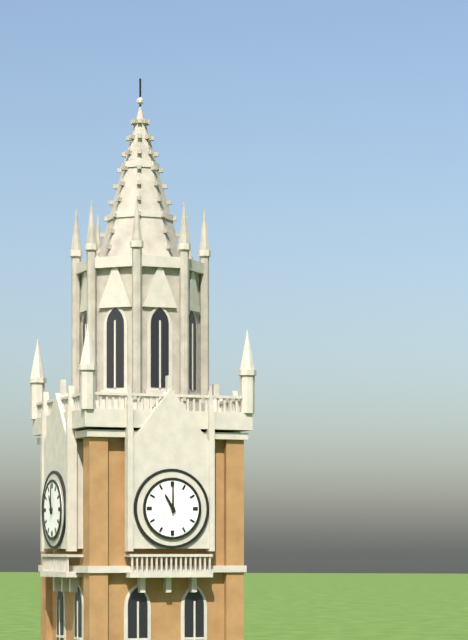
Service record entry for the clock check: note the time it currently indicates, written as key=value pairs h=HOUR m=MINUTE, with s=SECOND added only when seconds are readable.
h=11 m=0
